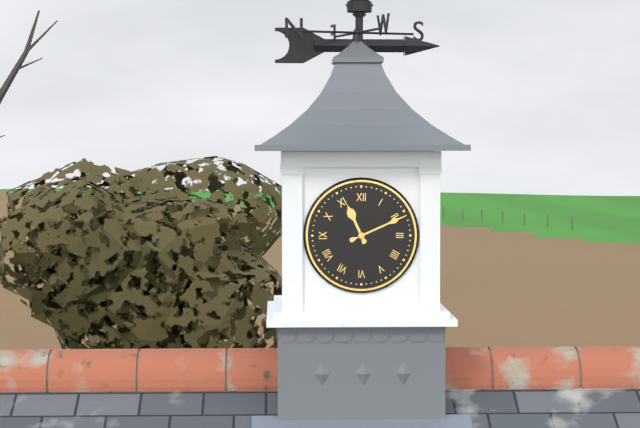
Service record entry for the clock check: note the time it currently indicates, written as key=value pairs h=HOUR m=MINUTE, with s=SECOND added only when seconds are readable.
h=11 m=11
